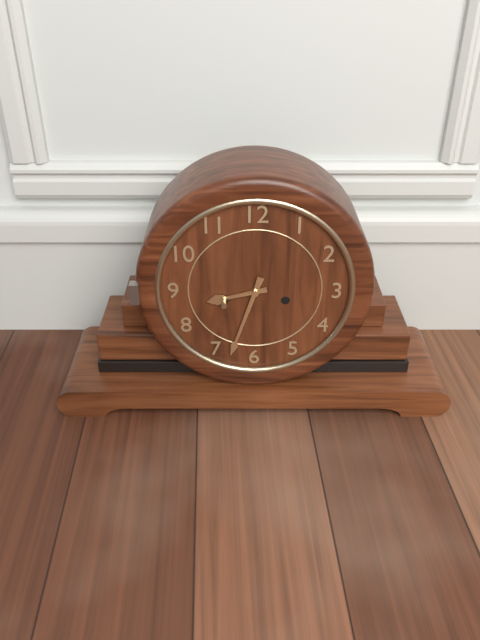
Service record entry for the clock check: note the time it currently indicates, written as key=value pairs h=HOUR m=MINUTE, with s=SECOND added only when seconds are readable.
h=8 m=33
